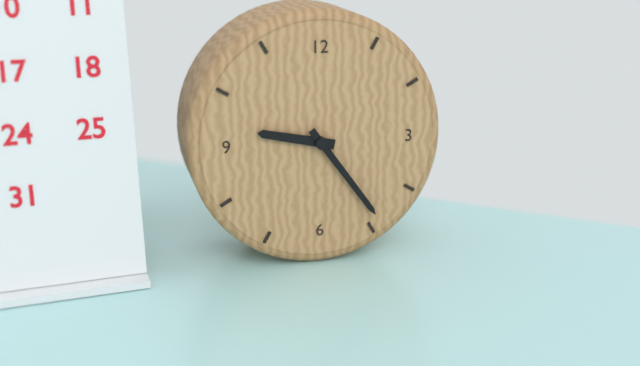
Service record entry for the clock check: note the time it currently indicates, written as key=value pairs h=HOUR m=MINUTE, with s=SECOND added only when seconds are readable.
h=9 m=24
